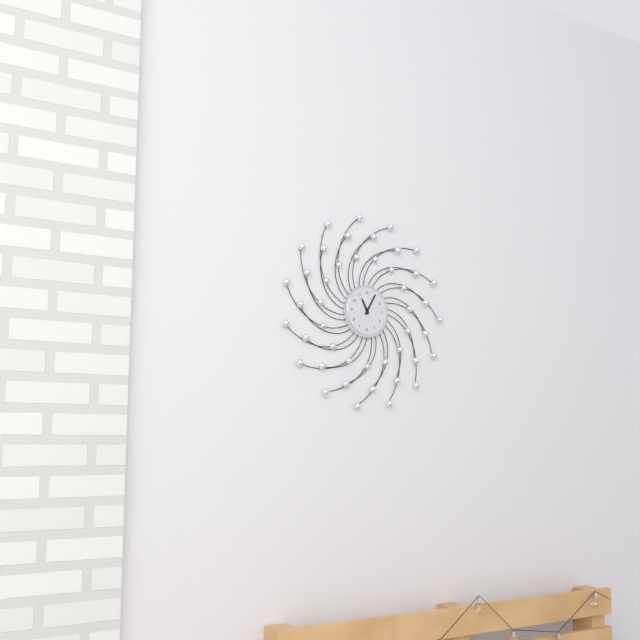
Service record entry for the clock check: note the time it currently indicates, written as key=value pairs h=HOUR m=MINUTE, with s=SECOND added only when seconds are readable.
h=11 m=5
